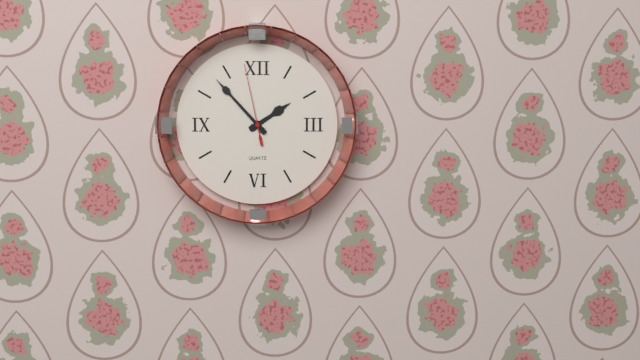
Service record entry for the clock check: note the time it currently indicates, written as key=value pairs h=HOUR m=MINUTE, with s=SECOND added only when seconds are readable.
h=1 m=53 s=58
